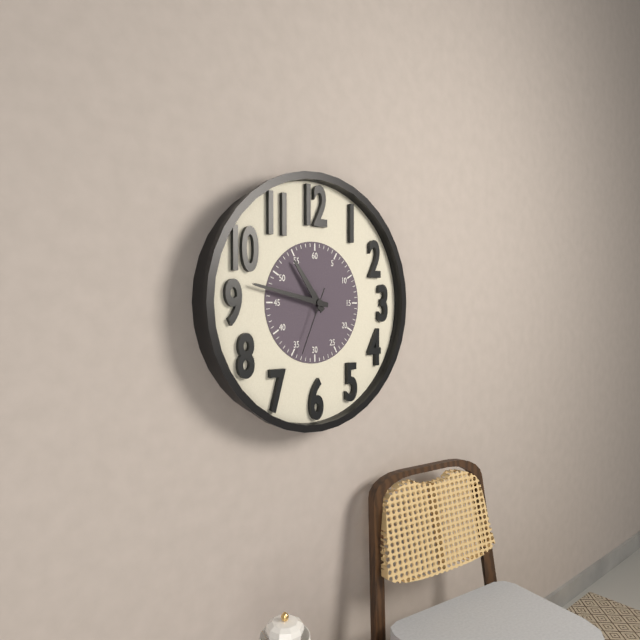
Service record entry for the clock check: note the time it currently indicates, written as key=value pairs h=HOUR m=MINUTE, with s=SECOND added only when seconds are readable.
h=10 m=47 s=34
